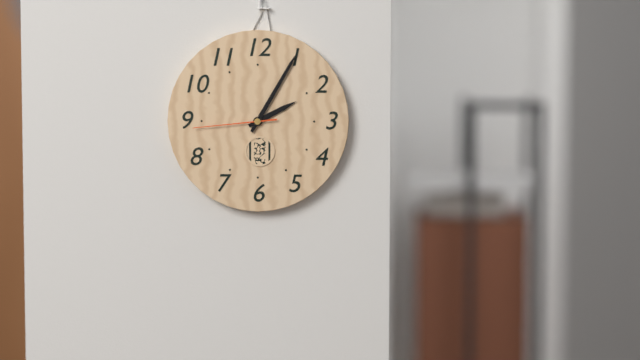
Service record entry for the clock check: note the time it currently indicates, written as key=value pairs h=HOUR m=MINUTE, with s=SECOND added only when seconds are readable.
h=2 m=5 s=44
